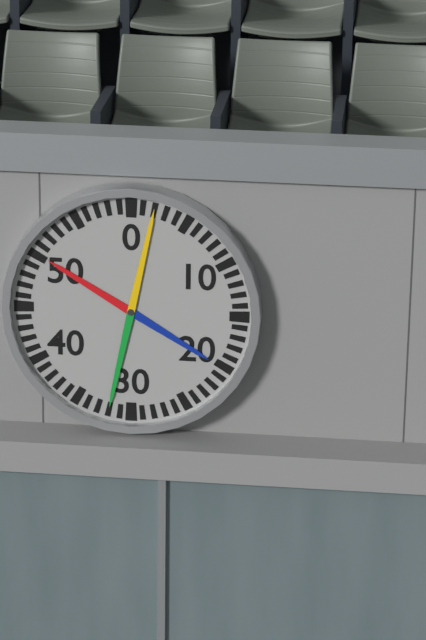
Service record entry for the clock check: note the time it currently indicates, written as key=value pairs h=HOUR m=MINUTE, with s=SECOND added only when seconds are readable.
h=10 m=2
